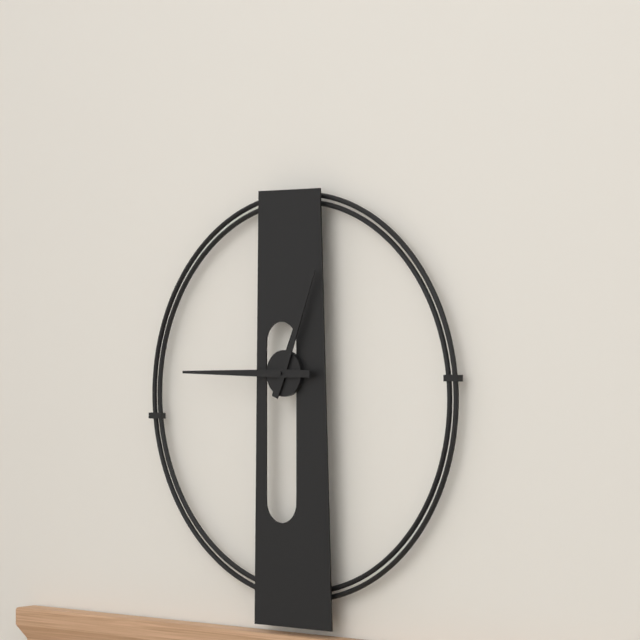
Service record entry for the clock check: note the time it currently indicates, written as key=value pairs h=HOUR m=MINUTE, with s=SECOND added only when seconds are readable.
h=12 m=45
